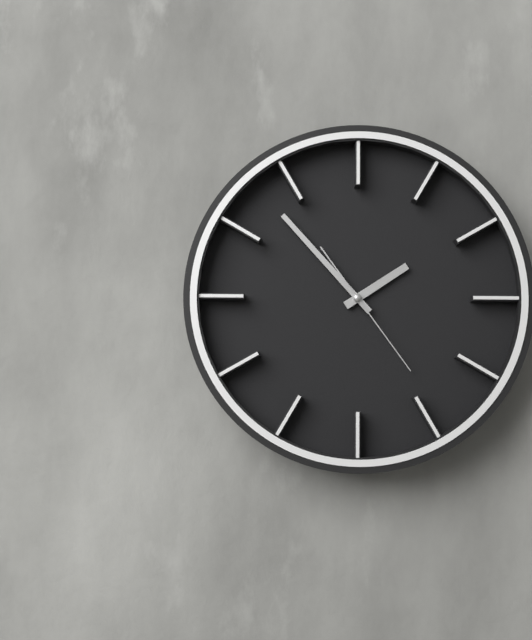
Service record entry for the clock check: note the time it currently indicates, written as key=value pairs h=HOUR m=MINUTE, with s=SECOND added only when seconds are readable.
h=1 m=53 s=24
